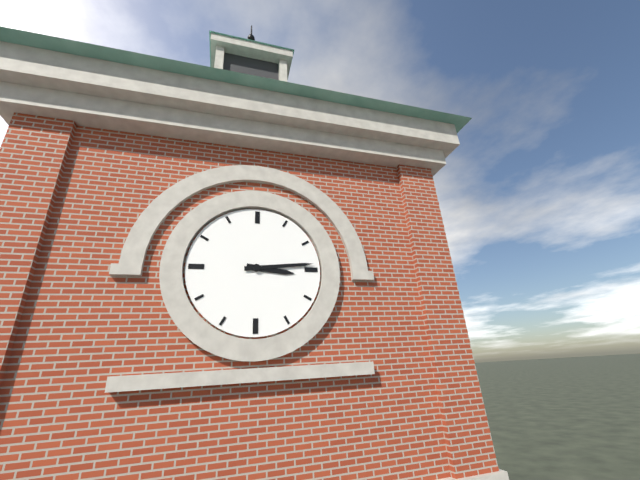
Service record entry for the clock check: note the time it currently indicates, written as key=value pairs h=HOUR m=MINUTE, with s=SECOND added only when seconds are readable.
h=3 m=14
